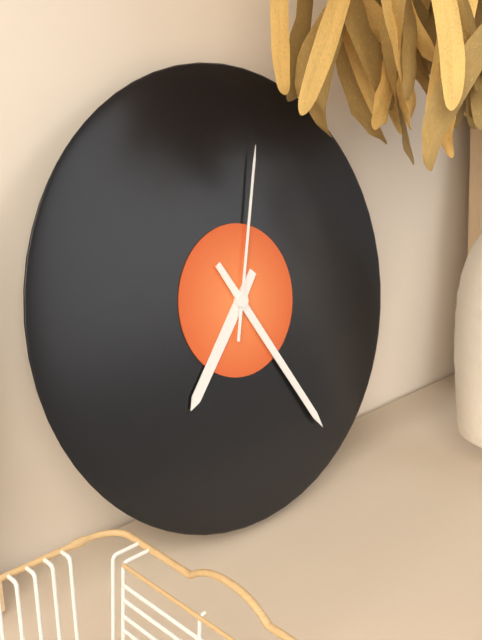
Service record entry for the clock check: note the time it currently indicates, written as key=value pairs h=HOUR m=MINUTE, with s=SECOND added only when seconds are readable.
h=7 m=25 s=3
